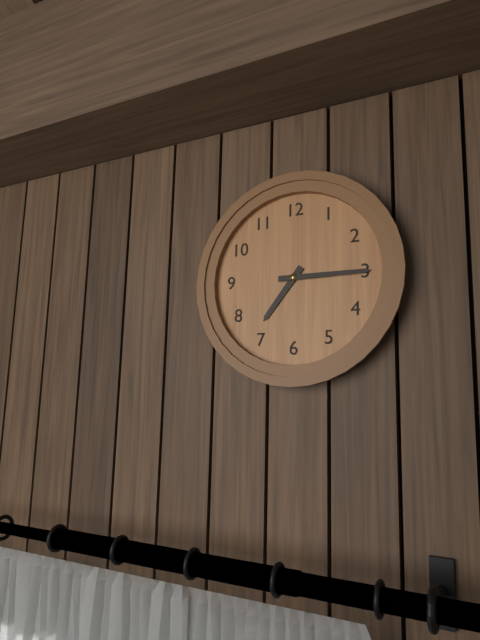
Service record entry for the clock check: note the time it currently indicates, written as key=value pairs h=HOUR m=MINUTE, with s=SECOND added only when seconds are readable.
h=7 m=15
